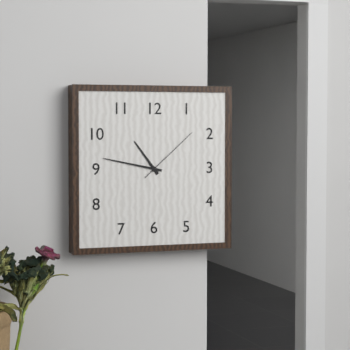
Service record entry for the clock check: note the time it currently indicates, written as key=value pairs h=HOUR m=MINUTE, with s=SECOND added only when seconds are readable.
h=10 m=47 s=8
